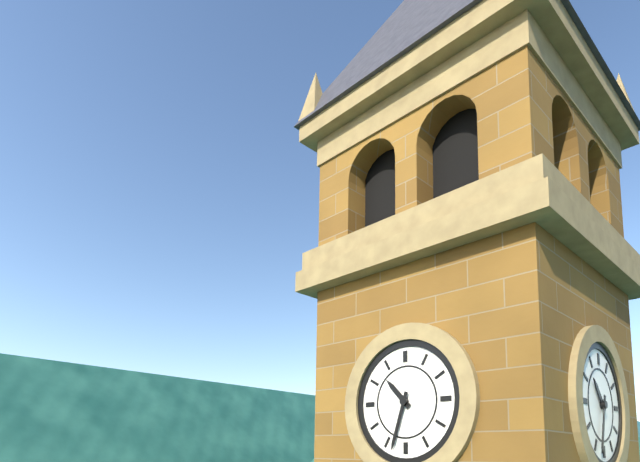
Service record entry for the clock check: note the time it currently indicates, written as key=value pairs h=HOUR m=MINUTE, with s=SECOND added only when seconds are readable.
h=10 m=33
